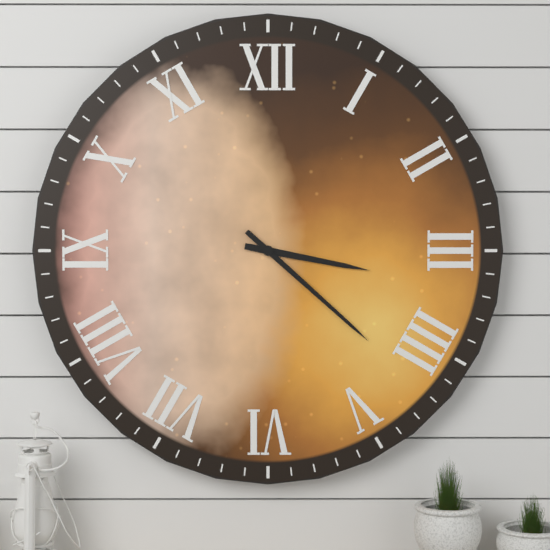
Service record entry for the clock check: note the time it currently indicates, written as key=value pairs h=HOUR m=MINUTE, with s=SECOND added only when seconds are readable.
h=3 m=22
